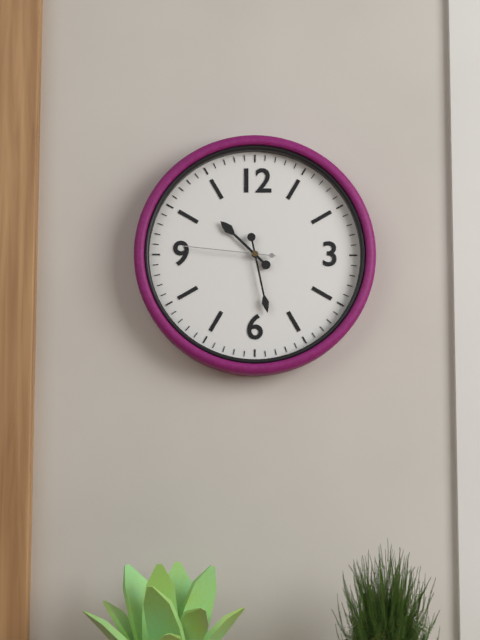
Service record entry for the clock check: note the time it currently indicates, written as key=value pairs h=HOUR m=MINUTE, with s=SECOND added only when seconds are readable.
h=10 m=28 s=46
